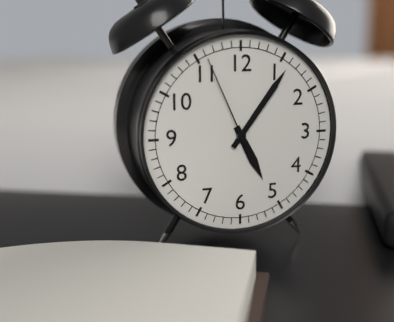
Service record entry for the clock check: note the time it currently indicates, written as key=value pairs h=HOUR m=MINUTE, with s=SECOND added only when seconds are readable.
h=5 m=6 s=56
